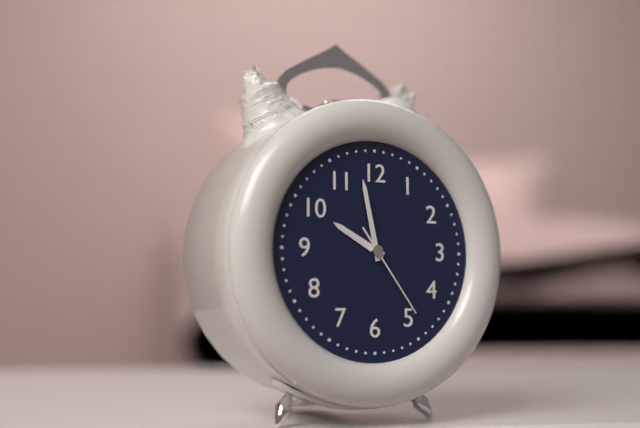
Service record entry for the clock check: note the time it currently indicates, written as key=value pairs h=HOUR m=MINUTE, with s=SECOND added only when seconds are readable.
h=9 m=58 s=24
